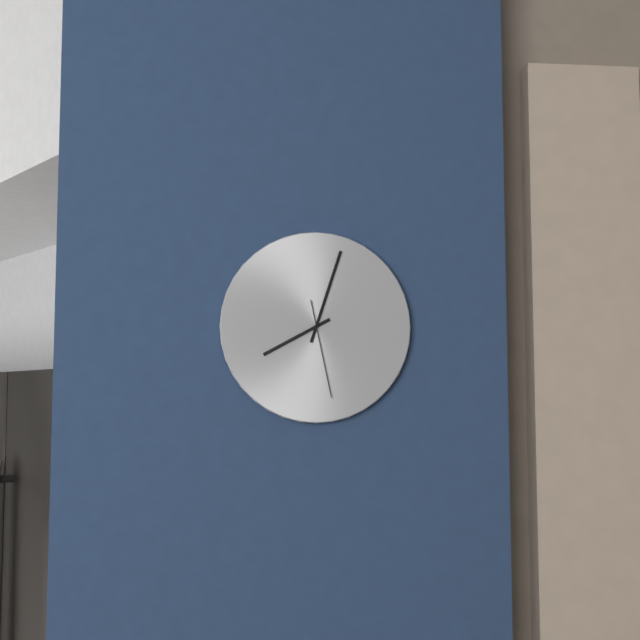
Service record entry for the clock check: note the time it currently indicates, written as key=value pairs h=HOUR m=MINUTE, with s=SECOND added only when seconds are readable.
h=8 m=3 s=28
